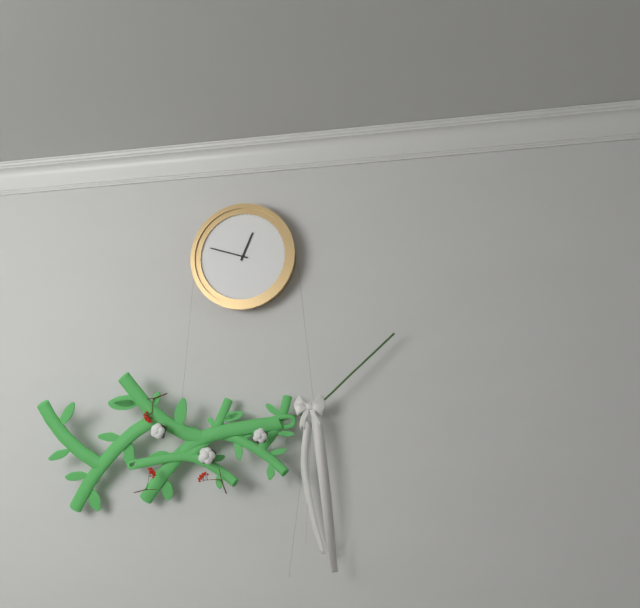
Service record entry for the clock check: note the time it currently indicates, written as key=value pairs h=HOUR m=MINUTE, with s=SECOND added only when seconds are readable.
h=12 m=48
